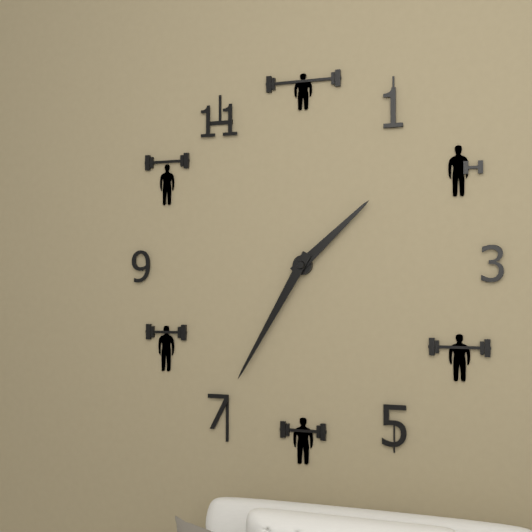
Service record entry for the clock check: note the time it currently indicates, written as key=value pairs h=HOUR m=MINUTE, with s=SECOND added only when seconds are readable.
h=1 m=35
